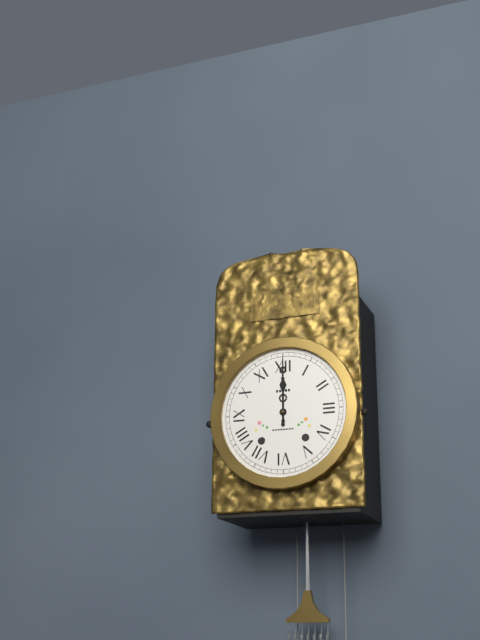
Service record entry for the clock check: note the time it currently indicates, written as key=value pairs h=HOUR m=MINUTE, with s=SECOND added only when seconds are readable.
h=12 m=0
